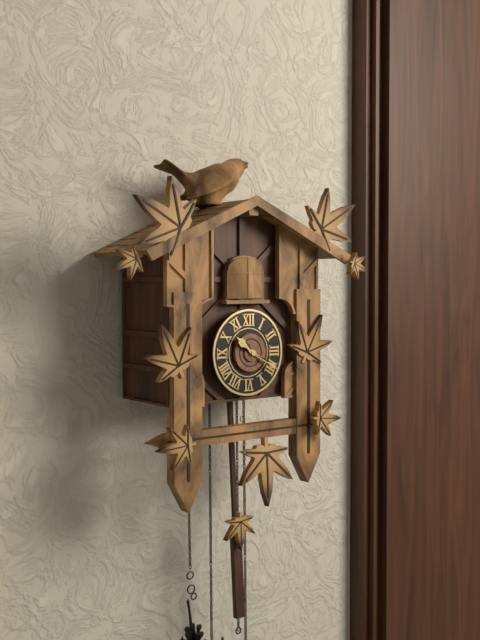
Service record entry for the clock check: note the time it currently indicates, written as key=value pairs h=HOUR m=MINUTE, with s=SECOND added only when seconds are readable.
h=10 m=20
